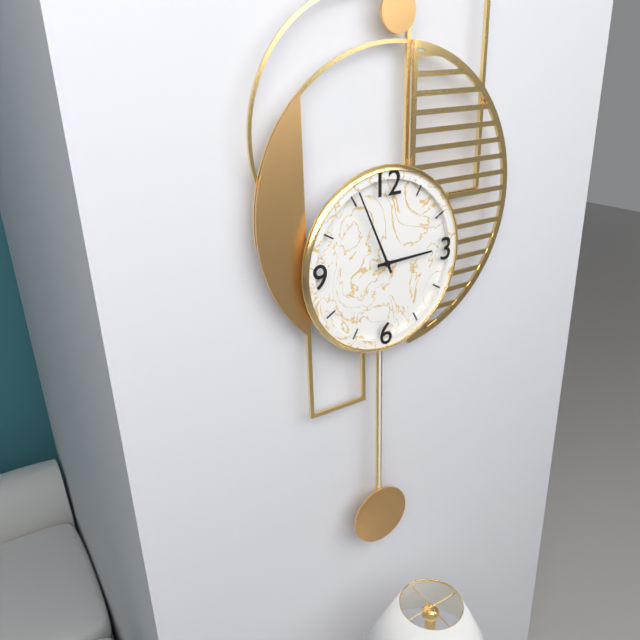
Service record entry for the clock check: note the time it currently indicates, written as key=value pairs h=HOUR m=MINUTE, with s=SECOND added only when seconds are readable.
h=2 m=56
